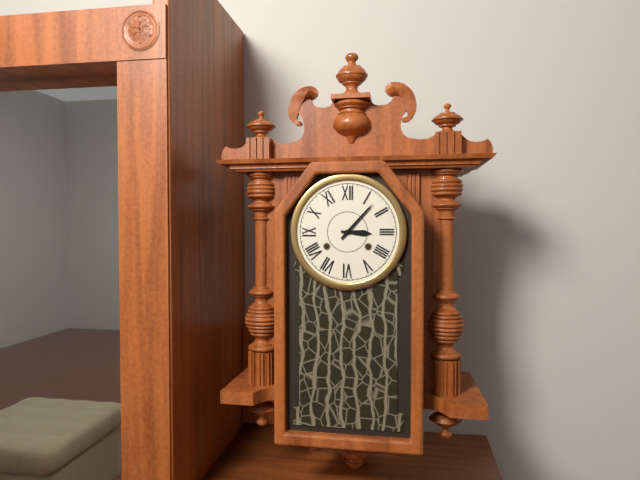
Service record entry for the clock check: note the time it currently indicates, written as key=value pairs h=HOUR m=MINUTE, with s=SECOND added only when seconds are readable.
h=3 m=7
